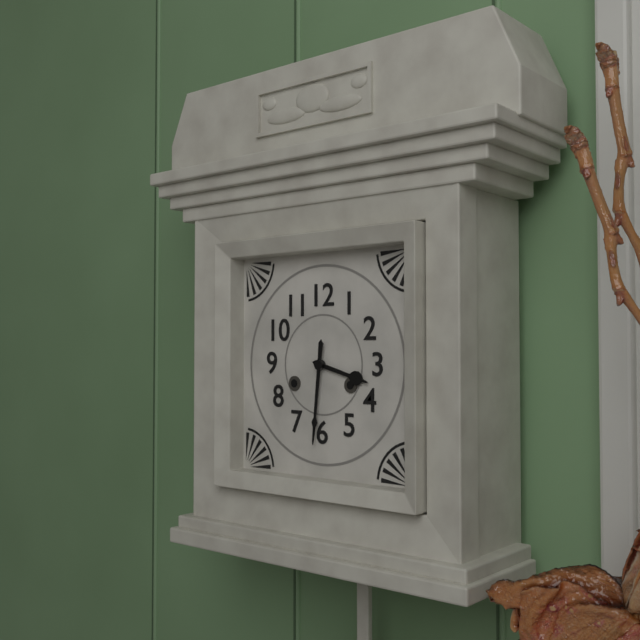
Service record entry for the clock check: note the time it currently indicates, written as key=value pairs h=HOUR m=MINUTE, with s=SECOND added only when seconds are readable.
h=3 m=31
